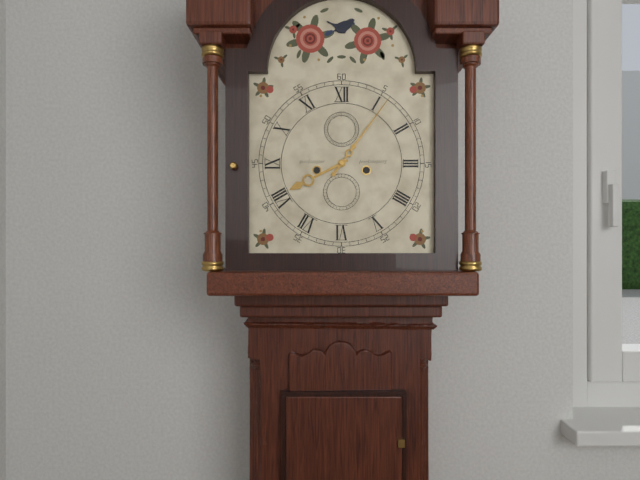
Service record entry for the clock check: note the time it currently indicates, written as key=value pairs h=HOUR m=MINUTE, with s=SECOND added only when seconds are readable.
h=8 m=6
